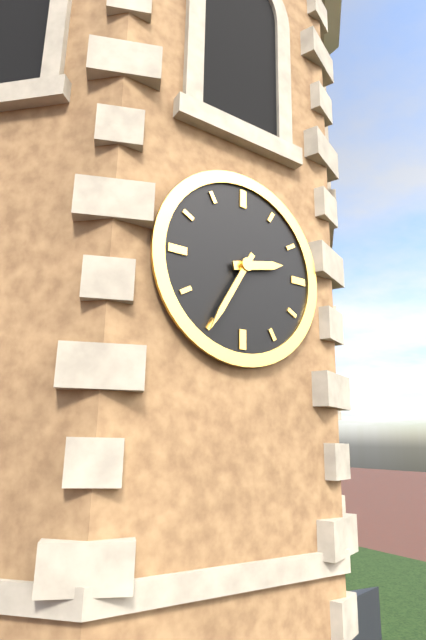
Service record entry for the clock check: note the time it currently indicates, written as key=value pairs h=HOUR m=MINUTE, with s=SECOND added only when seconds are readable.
h=2 m=35
